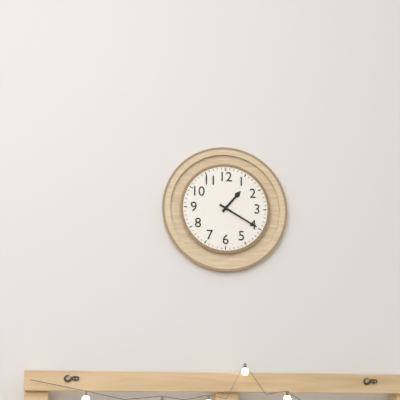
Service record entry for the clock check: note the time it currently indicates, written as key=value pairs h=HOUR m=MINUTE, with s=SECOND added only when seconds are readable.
h=1 m=20
